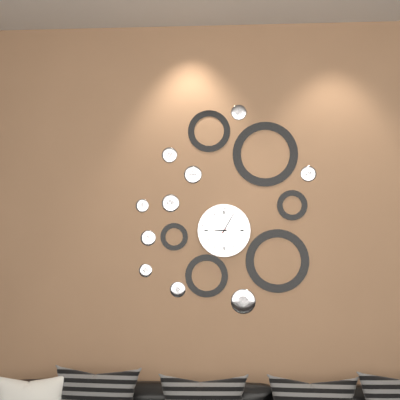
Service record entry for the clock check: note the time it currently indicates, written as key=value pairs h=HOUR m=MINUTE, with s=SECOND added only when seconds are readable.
h=9 m=5
